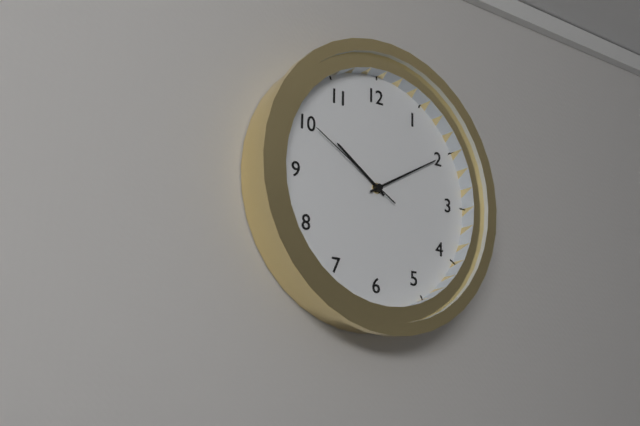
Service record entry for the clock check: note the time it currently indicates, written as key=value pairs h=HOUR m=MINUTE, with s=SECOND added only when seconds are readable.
h=10 m=10 s=50
